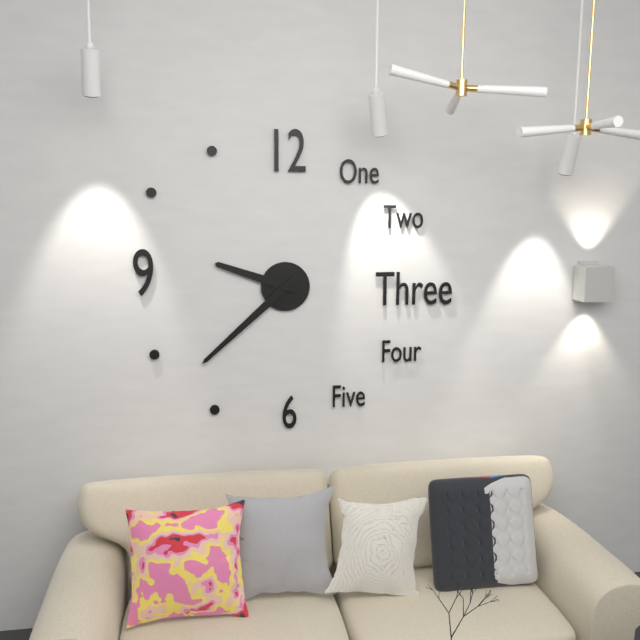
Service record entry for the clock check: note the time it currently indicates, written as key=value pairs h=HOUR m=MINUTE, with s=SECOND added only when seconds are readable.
h=9 m=38
